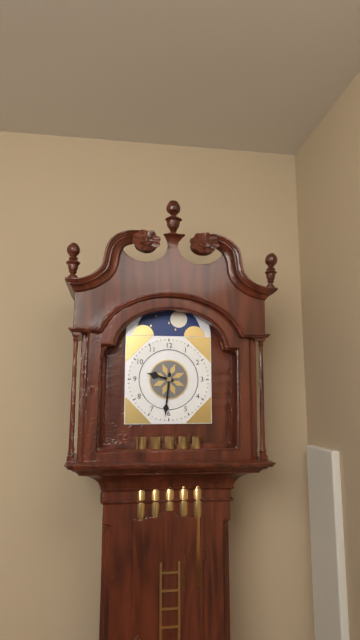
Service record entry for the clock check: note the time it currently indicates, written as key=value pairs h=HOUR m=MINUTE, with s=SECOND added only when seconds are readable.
h=9 m=31
